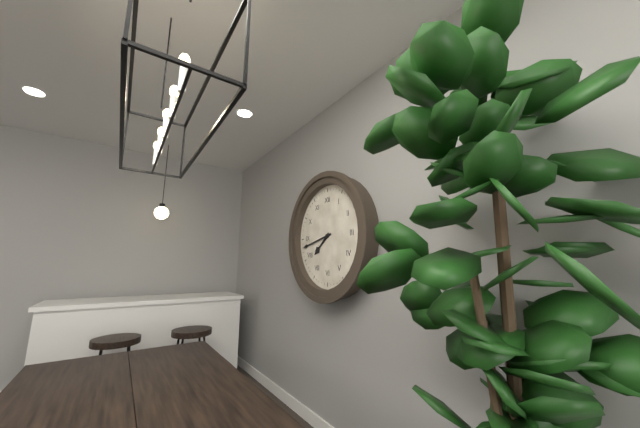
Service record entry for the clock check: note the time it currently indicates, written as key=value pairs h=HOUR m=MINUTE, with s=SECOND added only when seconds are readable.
h=7 m=43
